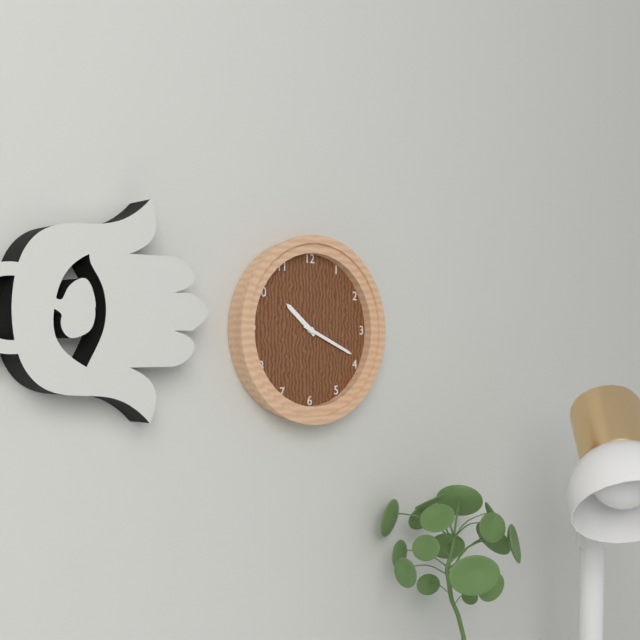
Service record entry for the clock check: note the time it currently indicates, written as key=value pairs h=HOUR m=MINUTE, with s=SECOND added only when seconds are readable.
h=10 m=19
